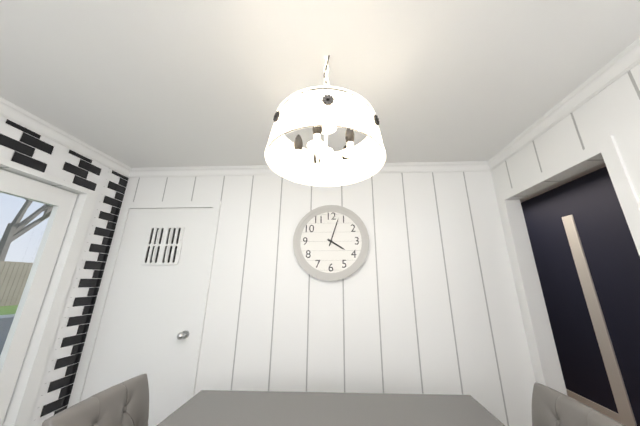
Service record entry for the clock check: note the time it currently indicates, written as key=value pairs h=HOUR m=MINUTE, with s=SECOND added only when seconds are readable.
h=4 m=3
